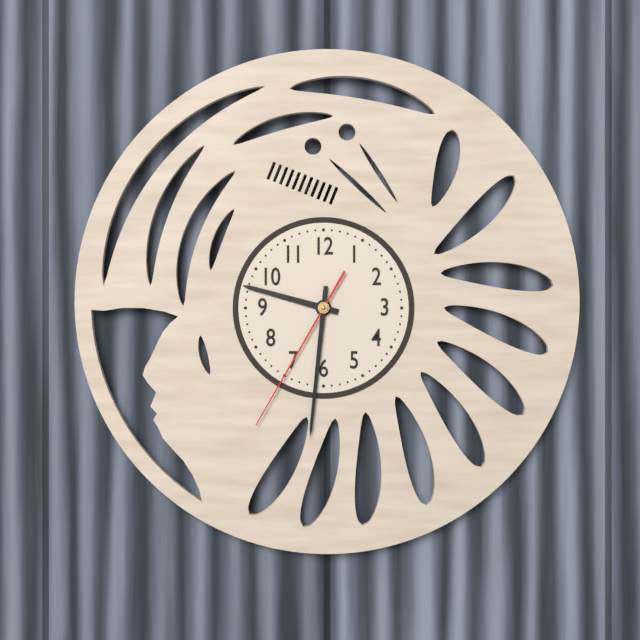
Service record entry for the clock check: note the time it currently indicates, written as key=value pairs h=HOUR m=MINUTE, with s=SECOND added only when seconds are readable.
h=9 m=31 s=35
